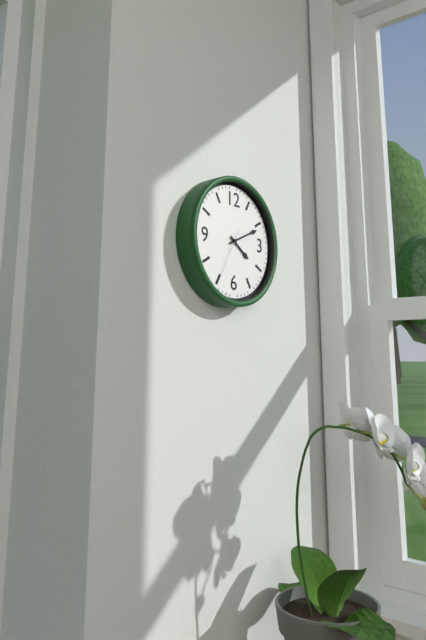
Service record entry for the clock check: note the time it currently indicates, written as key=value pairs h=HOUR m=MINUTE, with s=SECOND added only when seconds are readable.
h=4 m=11 s=35
